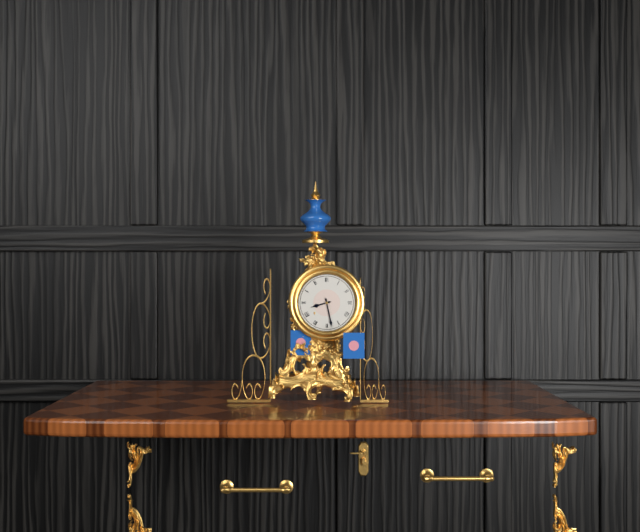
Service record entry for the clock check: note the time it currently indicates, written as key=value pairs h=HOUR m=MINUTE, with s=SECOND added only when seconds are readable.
h=8 m=28
